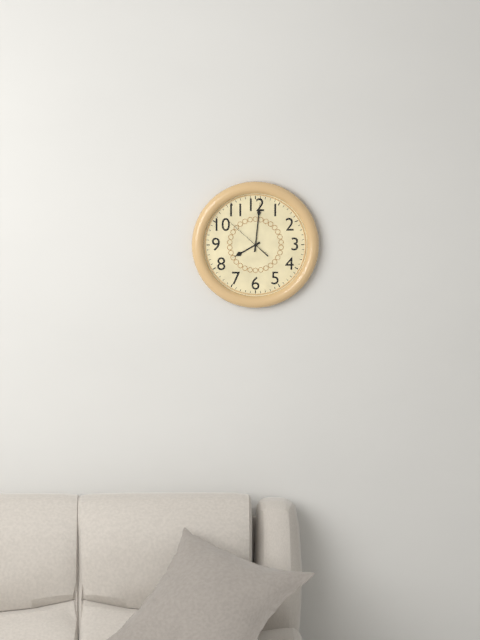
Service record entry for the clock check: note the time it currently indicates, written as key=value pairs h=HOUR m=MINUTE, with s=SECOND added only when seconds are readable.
h=8 m=1
